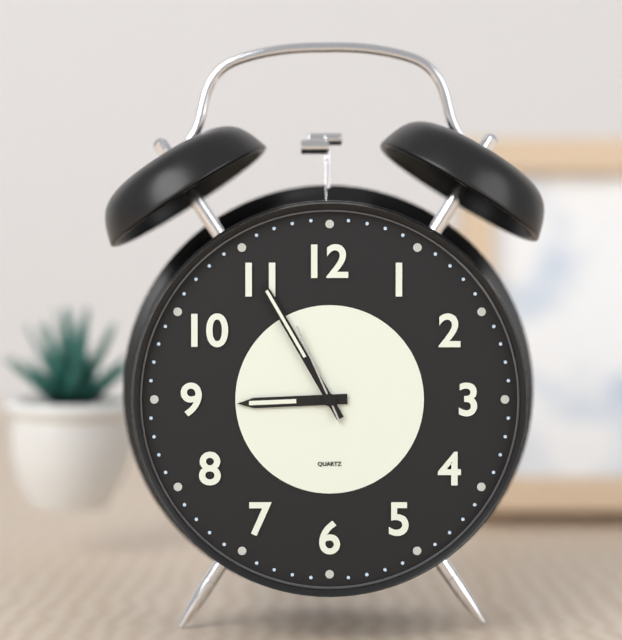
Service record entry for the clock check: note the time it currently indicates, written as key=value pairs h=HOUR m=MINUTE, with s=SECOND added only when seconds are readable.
h=8 m=55 s=56
